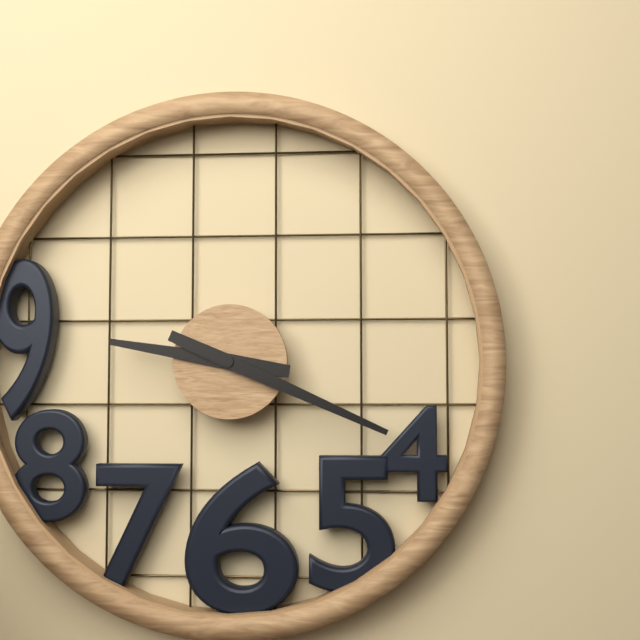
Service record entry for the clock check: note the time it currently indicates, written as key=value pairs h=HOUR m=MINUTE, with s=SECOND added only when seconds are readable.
h=9 m=19
